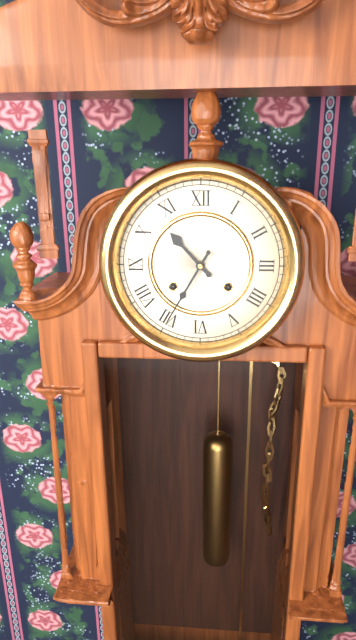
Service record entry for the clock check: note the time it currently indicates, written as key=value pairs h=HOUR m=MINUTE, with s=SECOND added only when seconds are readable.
h=10 m=35
